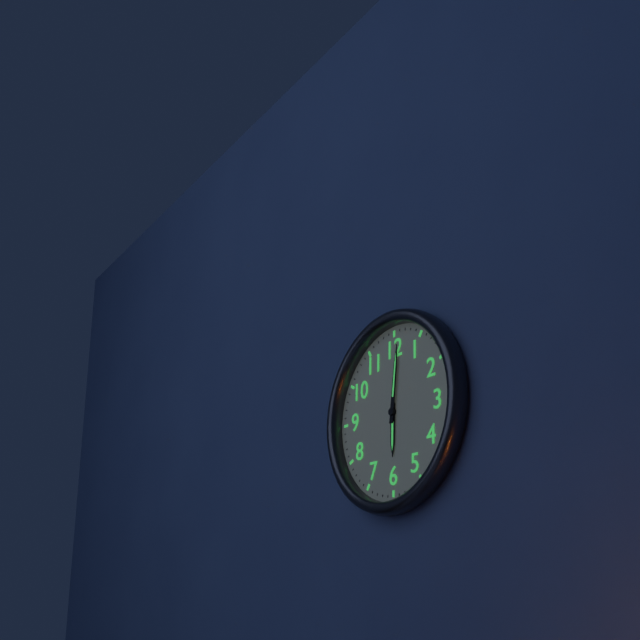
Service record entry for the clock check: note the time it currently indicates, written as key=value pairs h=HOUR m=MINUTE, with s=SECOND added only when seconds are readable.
h=6 m=1
